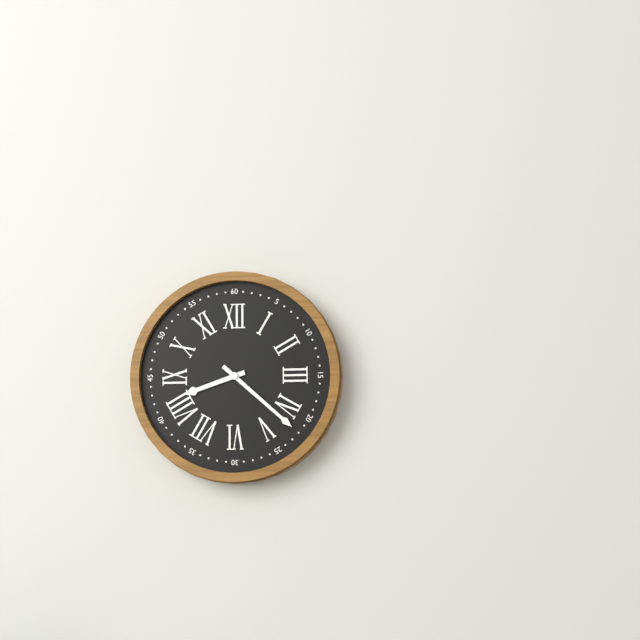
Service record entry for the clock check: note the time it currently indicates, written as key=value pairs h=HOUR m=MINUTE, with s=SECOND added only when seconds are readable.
h=8 m=22
